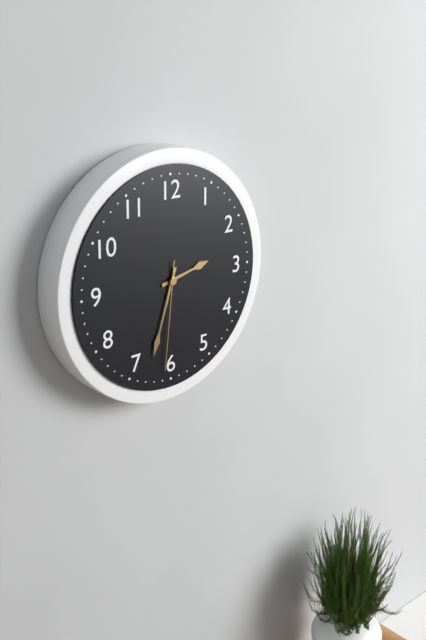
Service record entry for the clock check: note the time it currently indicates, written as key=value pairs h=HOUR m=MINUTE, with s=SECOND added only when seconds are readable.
h=2 m=33 s=31
